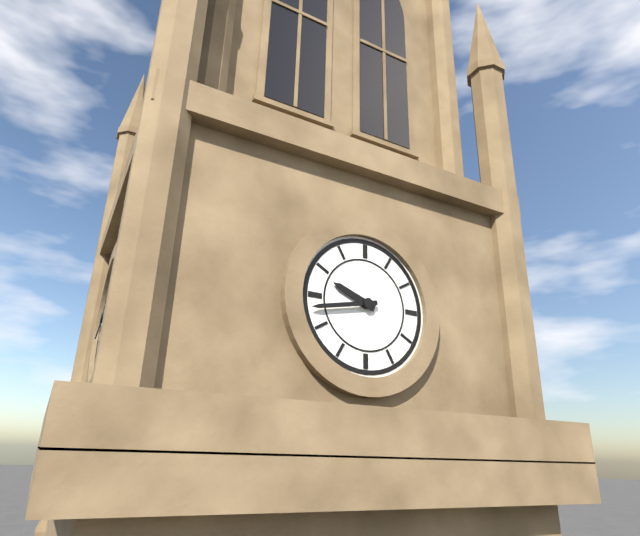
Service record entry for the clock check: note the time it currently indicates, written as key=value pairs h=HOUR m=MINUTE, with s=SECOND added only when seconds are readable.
h=9 m=43
